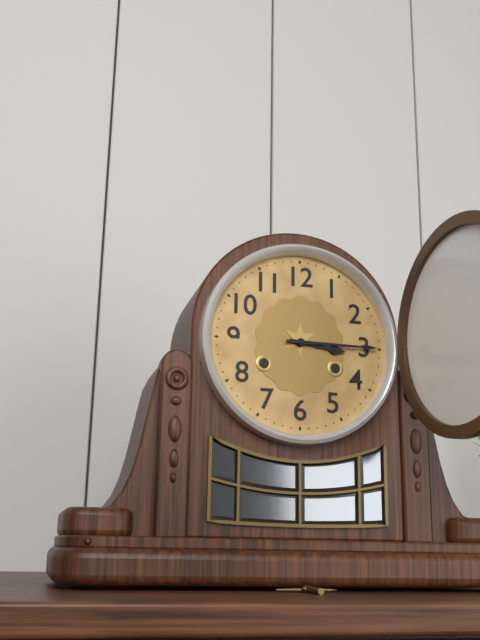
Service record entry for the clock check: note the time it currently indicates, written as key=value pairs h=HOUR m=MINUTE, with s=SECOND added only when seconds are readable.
h=3 m=15
